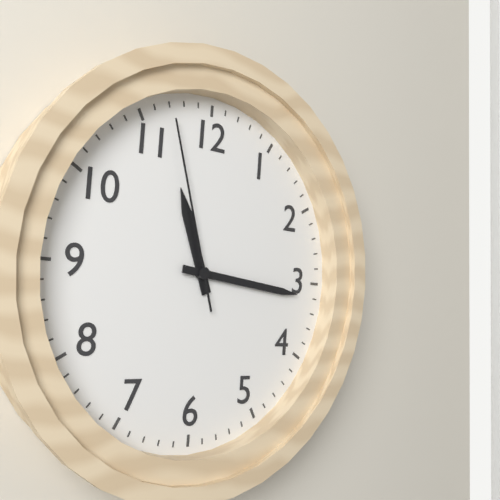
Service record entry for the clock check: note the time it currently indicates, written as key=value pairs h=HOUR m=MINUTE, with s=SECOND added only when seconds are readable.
h=11 m=16 s=57
